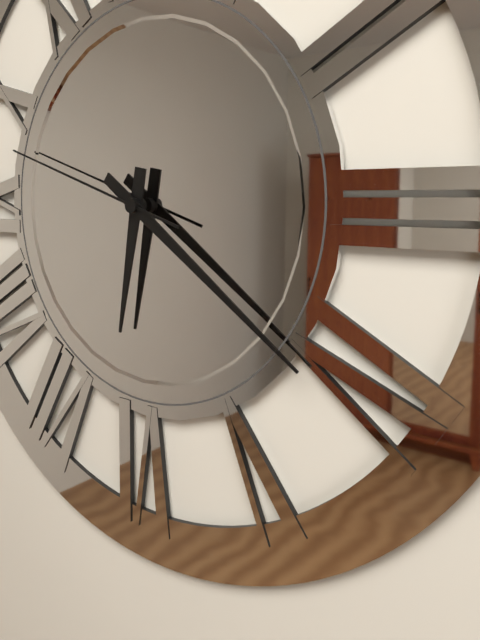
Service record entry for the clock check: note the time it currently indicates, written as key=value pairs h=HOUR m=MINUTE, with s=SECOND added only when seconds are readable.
h=6 m=21 s=48
